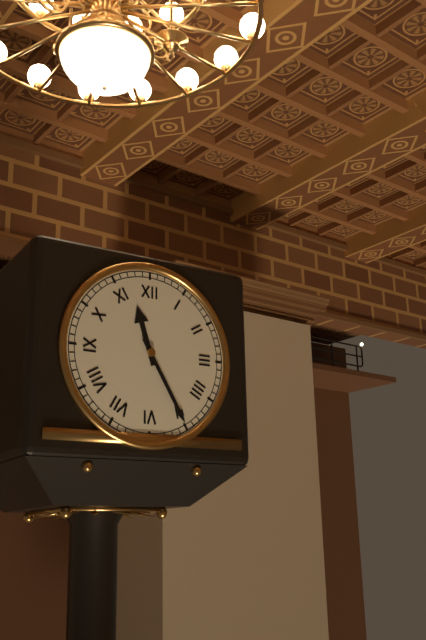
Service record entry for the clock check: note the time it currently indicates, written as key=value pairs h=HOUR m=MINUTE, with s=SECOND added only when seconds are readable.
h=11 m=25
